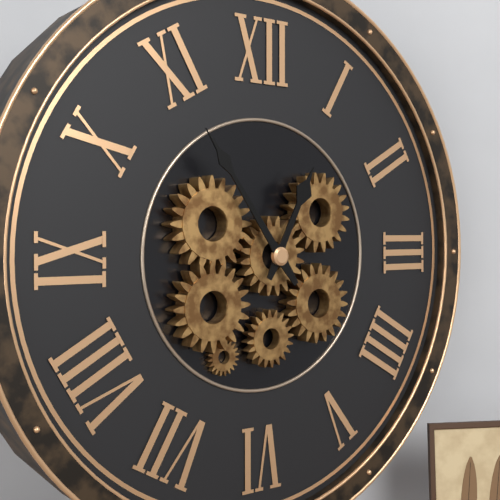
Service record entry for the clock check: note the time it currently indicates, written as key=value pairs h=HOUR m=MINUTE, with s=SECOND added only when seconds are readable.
h=12 m=54
